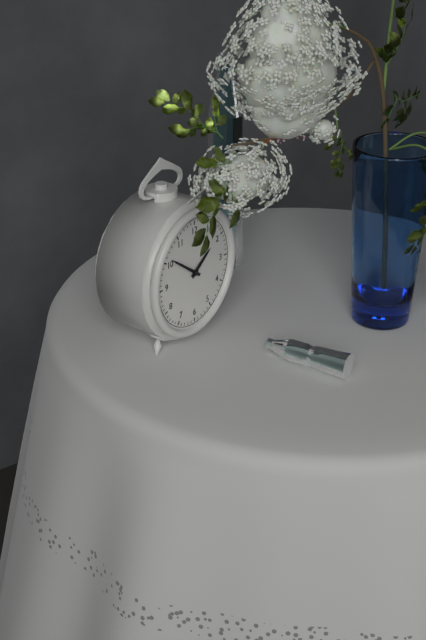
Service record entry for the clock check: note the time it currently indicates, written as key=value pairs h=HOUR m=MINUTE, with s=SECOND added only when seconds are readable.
h=1 m=51
